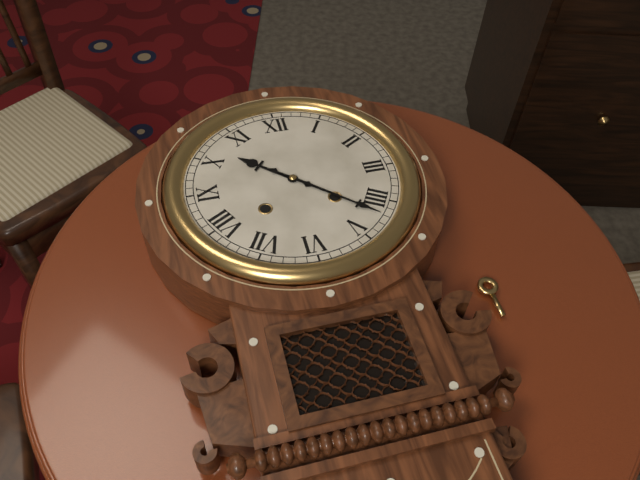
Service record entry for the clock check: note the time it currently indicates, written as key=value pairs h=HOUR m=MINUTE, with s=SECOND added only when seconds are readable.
h=10 m=22
